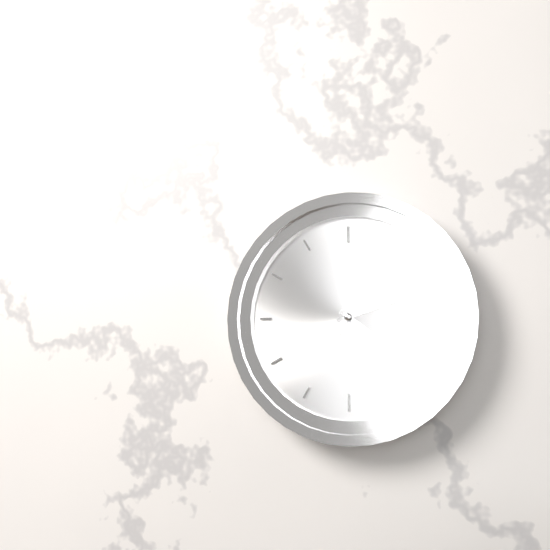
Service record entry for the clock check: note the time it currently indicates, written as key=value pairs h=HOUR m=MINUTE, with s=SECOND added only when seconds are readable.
h=4 m=12 s=4
